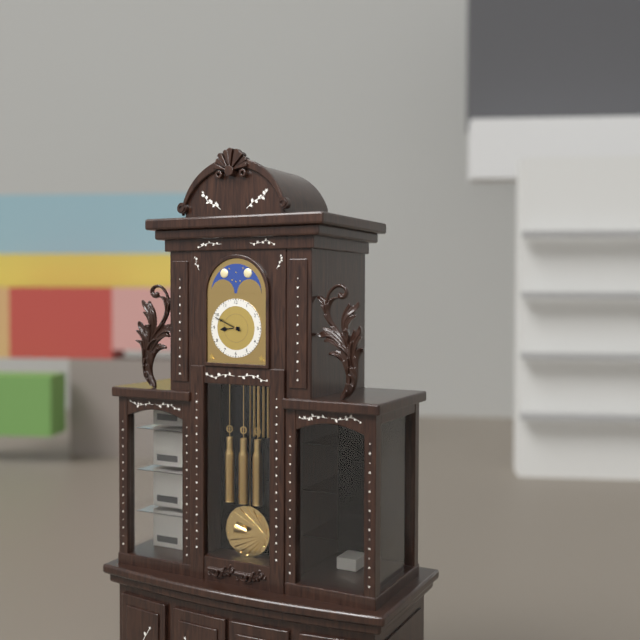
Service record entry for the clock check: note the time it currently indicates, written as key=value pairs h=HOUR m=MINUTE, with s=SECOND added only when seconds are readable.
h=8 m=49
